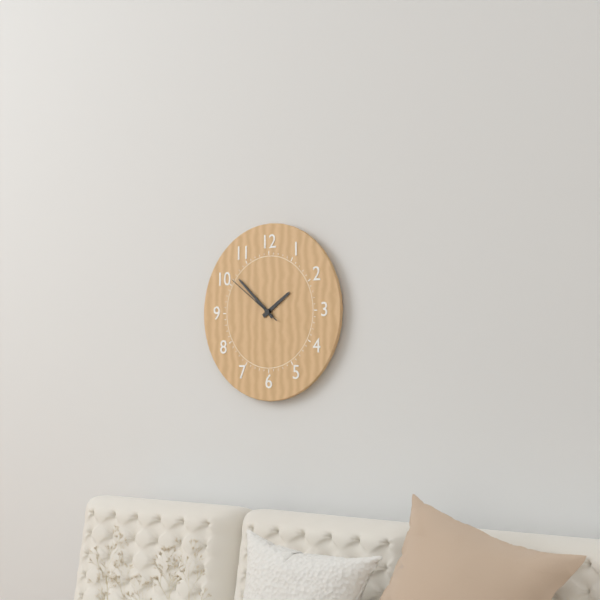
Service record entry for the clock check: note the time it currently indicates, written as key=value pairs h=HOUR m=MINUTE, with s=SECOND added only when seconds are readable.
h=1 m=52 s=51
